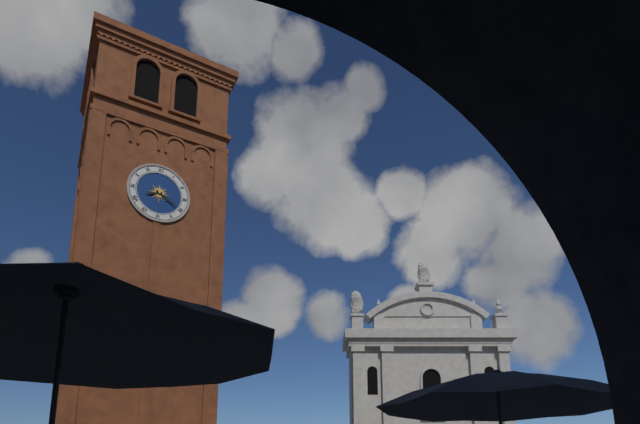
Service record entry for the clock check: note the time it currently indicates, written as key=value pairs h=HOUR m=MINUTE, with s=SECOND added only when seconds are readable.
h=8 m=20
